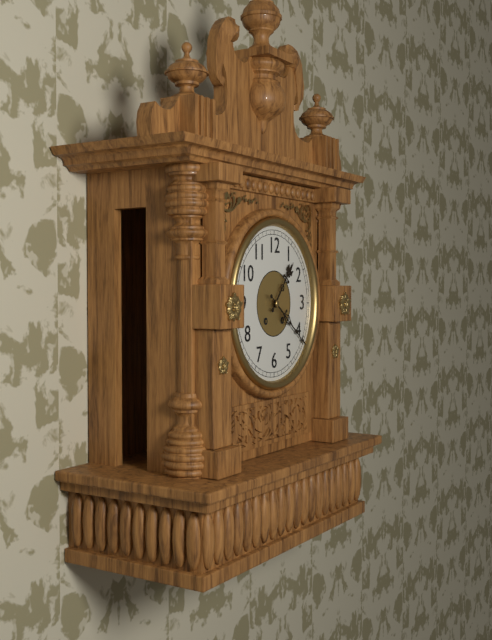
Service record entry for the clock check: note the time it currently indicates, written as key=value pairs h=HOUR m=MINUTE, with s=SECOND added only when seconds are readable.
h=1 m=21
